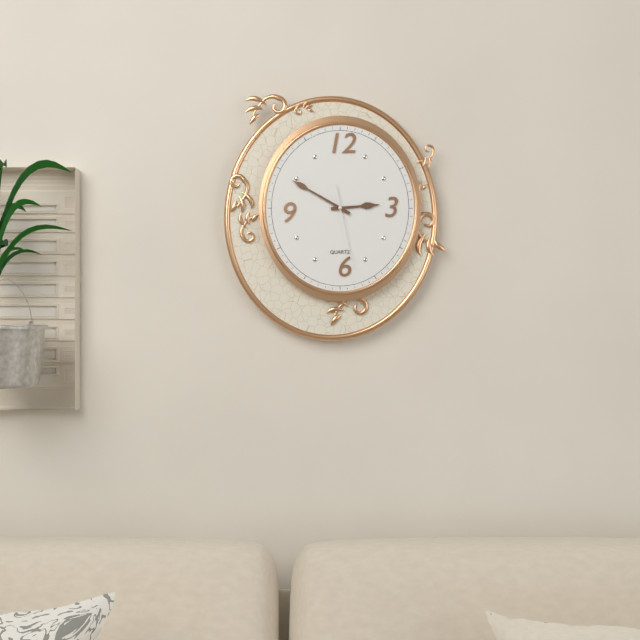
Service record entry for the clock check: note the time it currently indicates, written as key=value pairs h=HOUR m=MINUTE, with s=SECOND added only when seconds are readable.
h=2 m=50 s=28
